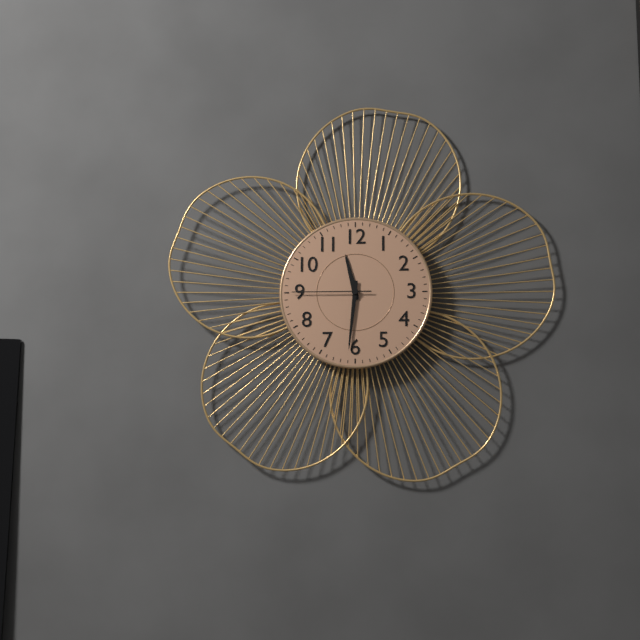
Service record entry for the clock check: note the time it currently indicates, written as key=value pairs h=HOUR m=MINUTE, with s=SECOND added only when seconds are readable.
h=11 m=31 s=45
